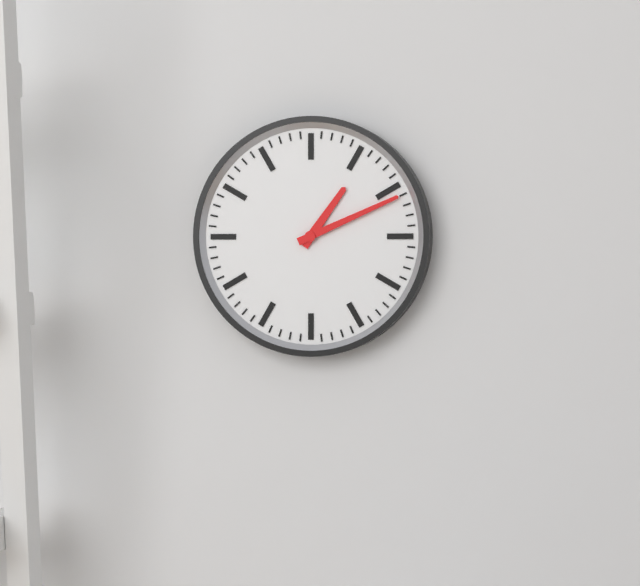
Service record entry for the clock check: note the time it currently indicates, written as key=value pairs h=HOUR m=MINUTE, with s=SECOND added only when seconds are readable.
h=1 m=11
